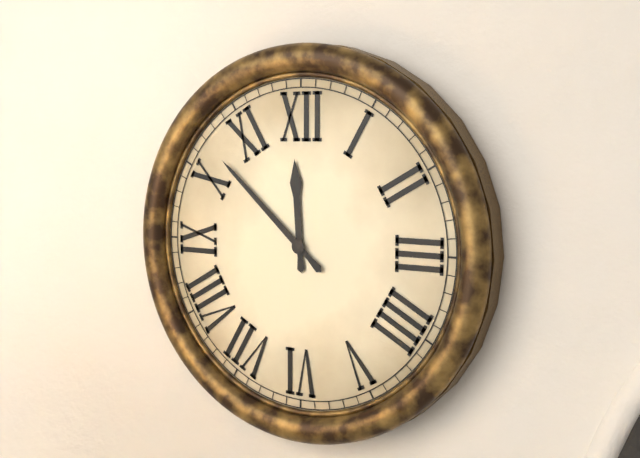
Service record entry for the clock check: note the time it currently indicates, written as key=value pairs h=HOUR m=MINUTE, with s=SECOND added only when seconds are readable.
h=11 m=52
